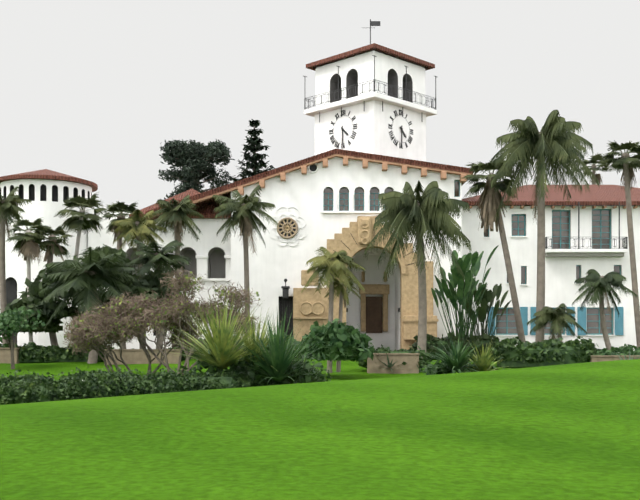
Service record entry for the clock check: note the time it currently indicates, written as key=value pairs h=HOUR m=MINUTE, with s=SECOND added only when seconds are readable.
h=4 m=30
